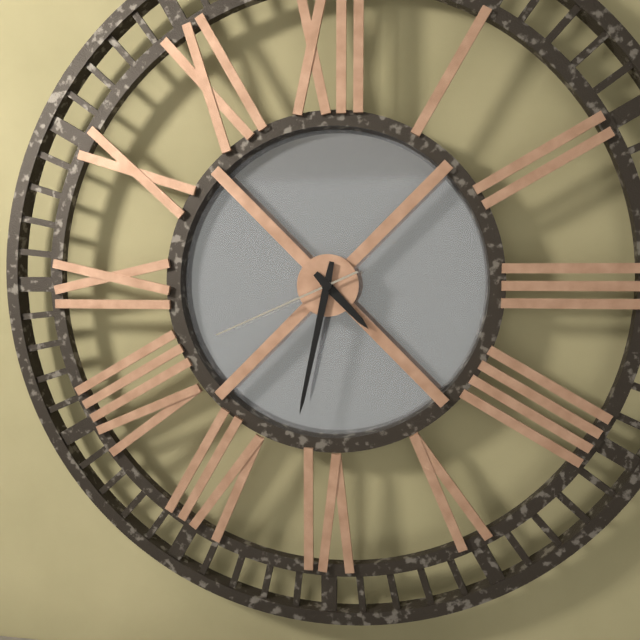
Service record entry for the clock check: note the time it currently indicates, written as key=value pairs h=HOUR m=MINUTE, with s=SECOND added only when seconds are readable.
h=4 m=32 s=41
